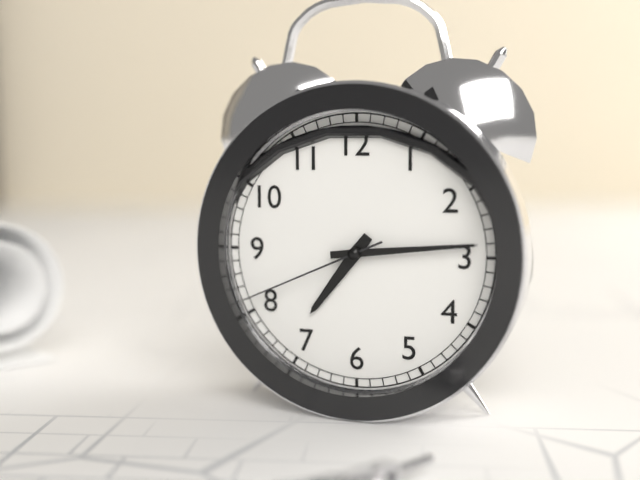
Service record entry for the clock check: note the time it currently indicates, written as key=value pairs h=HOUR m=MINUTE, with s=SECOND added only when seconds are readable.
h=7 m=14 s=41
